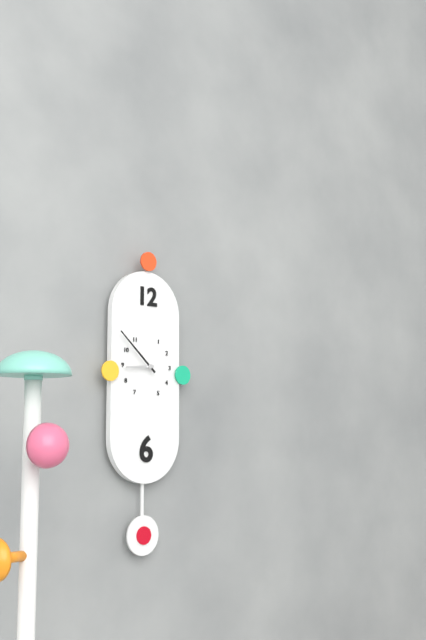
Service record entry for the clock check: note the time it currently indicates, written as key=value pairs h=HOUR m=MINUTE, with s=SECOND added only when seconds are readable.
h=8 m=52
